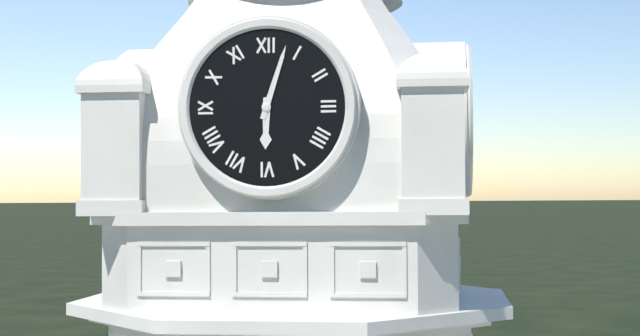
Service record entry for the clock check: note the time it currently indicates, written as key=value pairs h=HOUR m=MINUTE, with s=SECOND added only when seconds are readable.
h=6 m=3
